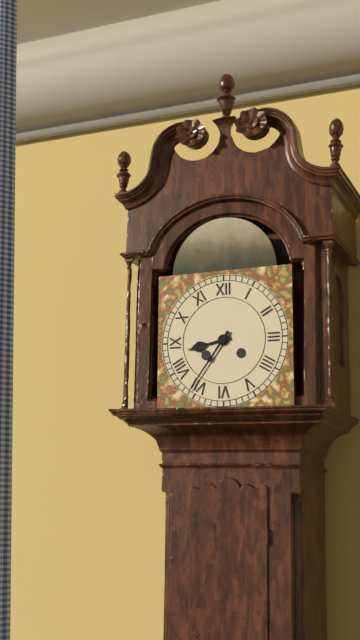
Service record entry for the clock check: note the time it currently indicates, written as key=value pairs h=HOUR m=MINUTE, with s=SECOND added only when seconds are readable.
h=8 m=36
